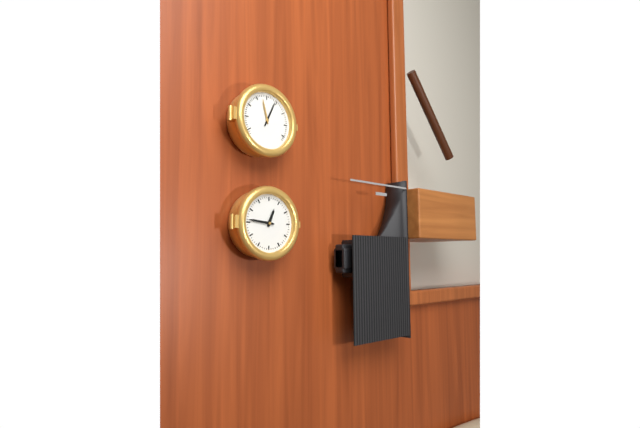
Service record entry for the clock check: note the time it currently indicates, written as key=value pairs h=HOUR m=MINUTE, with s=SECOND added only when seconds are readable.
h=12 m=46
